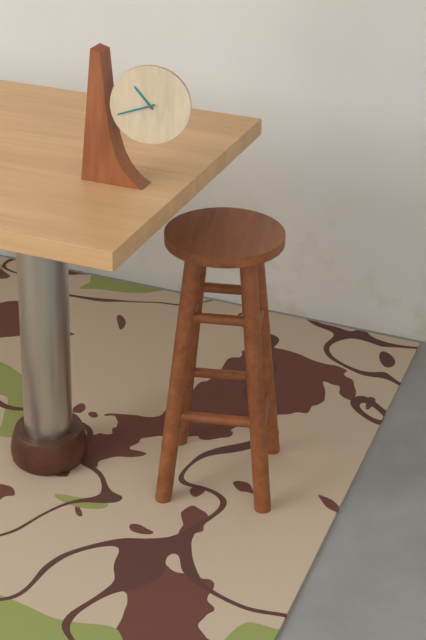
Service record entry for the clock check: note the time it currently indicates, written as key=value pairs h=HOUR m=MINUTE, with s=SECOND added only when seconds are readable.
h=10 m=42
